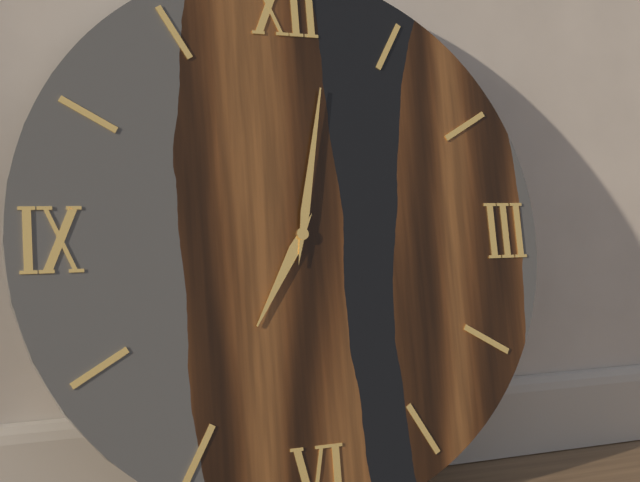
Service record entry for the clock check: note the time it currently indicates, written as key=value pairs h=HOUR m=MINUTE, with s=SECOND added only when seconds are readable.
h=7 m=2
